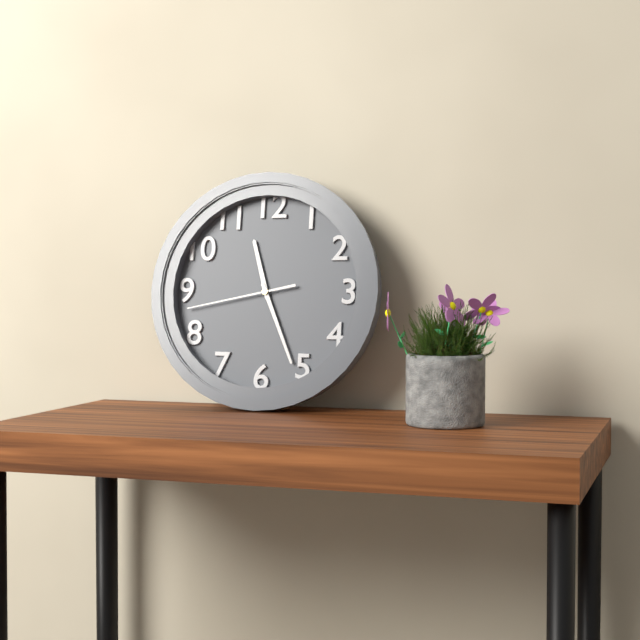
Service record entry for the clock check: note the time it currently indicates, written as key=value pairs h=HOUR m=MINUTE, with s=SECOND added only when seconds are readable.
h=11 m=26 s=43
